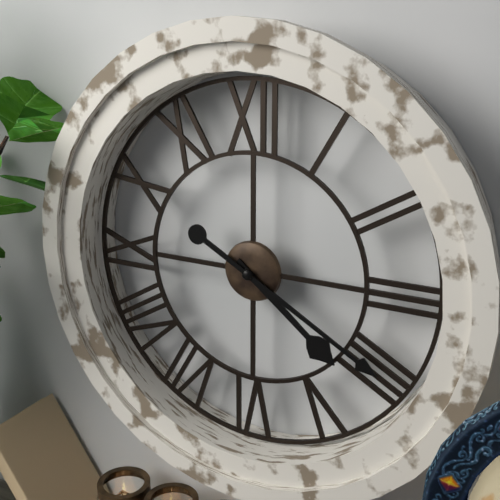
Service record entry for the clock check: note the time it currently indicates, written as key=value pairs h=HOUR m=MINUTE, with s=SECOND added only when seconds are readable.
h=4 m=20
